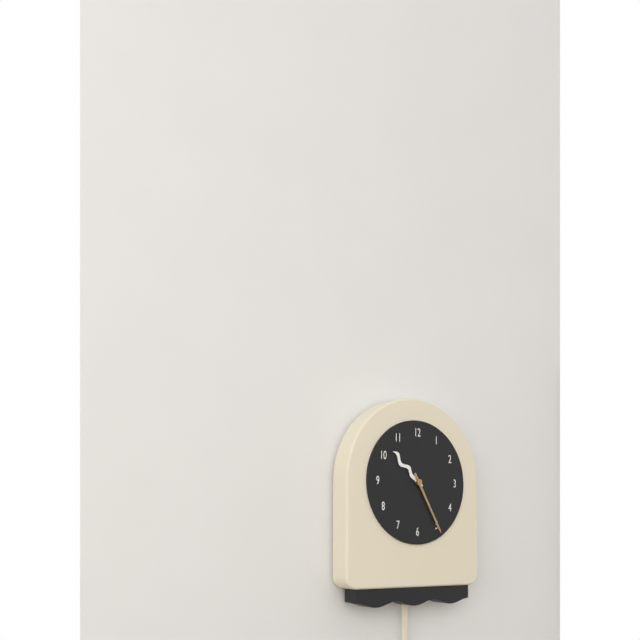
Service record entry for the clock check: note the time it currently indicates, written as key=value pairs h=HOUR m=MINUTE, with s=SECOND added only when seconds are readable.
h=10 m=25
